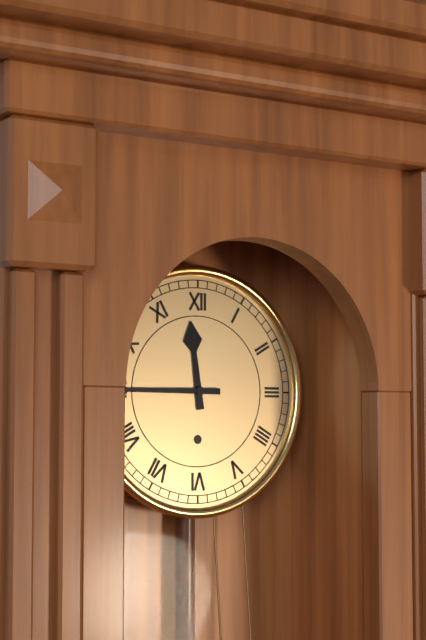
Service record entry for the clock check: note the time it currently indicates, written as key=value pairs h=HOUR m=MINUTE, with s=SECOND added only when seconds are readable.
h=11 m=45
